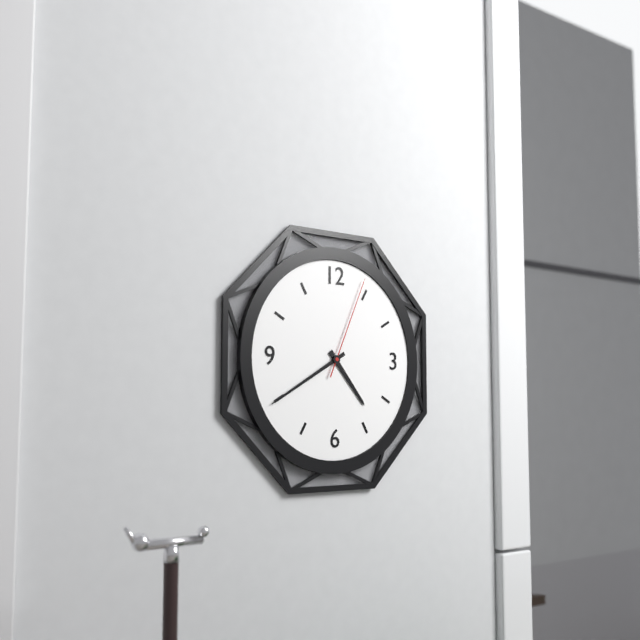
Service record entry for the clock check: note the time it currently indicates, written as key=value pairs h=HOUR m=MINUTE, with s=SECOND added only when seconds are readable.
h=4 m=40 s=4
